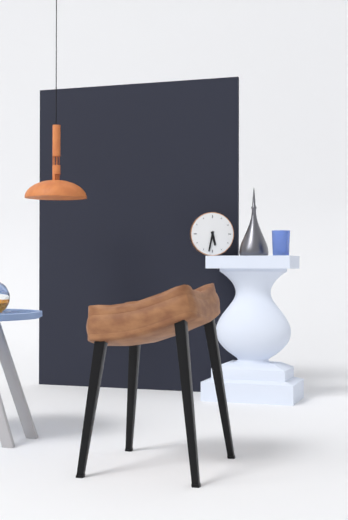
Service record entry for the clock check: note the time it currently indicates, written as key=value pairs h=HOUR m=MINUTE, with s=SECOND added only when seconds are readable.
h=5 m=32
